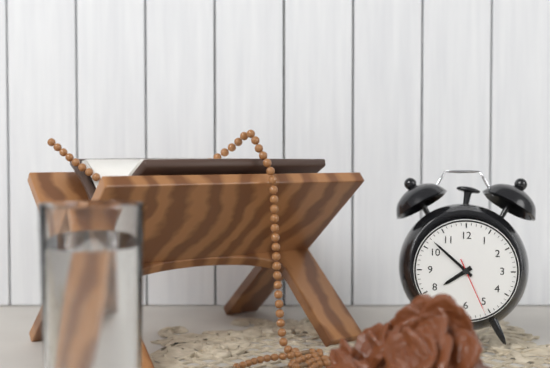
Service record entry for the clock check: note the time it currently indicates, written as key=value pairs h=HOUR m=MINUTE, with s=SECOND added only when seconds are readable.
h=7 m=52 s=26
